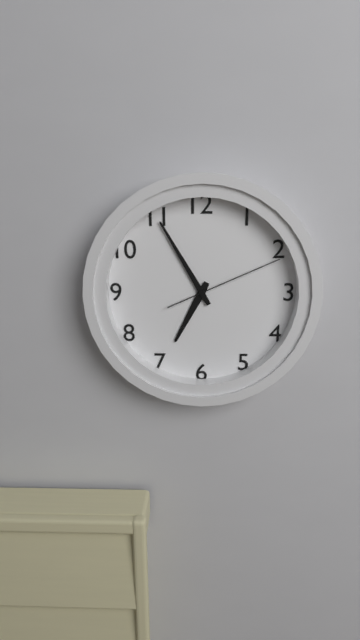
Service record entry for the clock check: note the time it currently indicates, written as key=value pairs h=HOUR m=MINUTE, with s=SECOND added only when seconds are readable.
h=6 m=55 s=11
